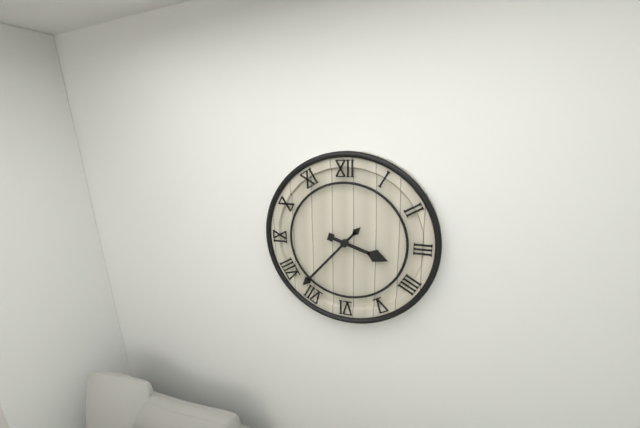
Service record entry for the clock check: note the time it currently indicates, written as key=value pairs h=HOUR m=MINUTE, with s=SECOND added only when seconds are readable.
h=3 m=37
